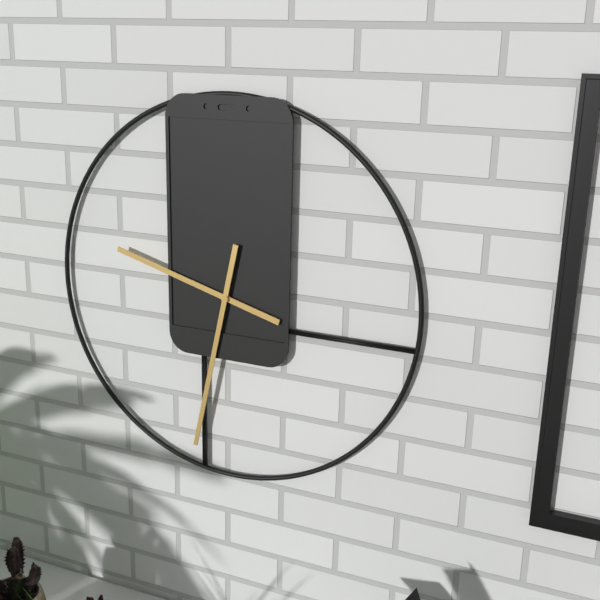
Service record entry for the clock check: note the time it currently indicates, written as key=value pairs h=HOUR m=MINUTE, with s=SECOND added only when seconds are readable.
h=9 m=32
